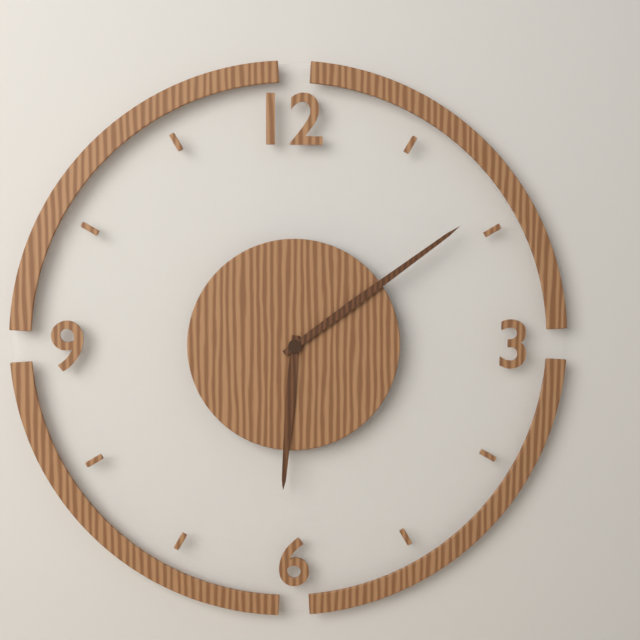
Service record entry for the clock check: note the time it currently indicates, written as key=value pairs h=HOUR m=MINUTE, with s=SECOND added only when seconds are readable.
h=6 m=9
